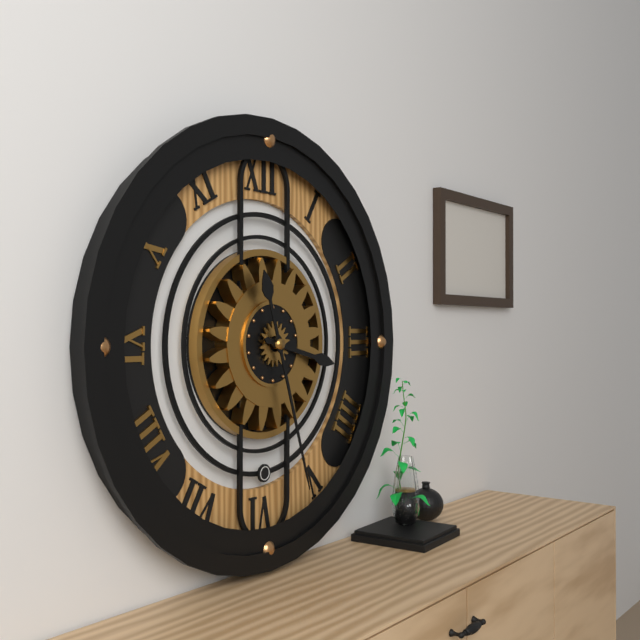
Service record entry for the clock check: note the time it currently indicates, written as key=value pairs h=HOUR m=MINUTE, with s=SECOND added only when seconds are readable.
h=3 m=27
